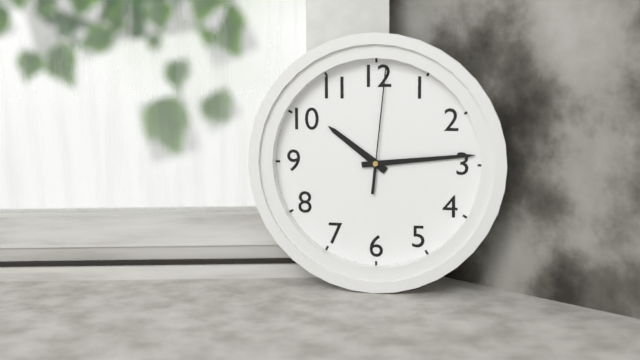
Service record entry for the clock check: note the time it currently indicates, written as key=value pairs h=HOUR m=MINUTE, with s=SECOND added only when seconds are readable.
h=10 m=14 s=1
